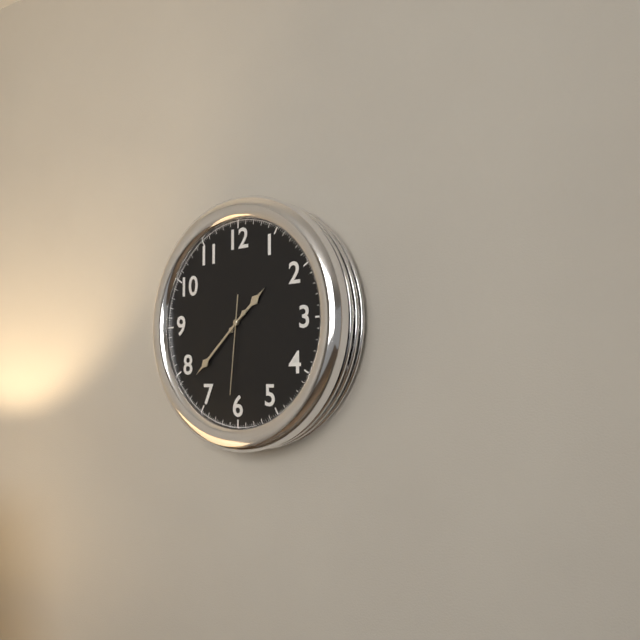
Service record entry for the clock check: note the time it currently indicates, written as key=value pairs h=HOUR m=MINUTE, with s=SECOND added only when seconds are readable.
h=1 m=38 s=31
